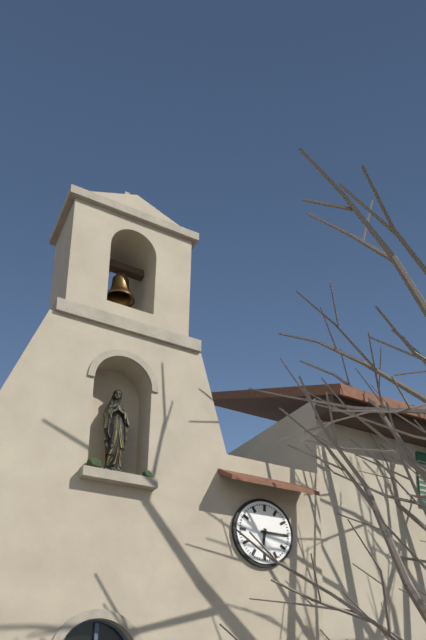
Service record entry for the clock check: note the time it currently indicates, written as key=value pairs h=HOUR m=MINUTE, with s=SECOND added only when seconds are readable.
h=6 m=15
